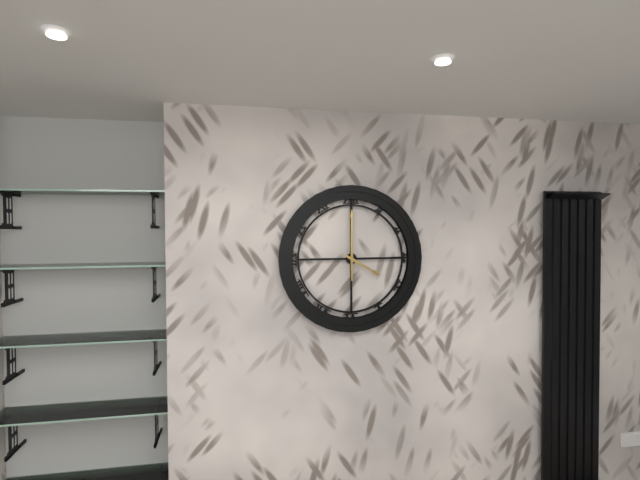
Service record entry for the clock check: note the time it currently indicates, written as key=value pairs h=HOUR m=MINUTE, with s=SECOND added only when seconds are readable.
h=4 m=0
